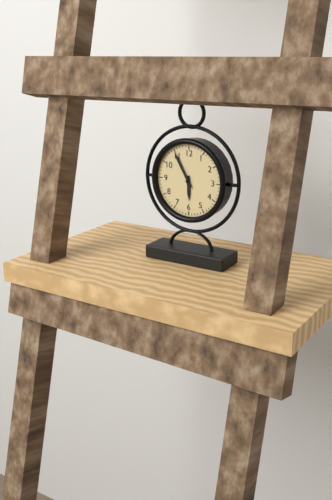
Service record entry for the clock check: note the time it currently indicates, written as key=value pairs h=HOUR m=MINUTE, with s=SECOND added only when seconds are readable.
h=5 m=55
